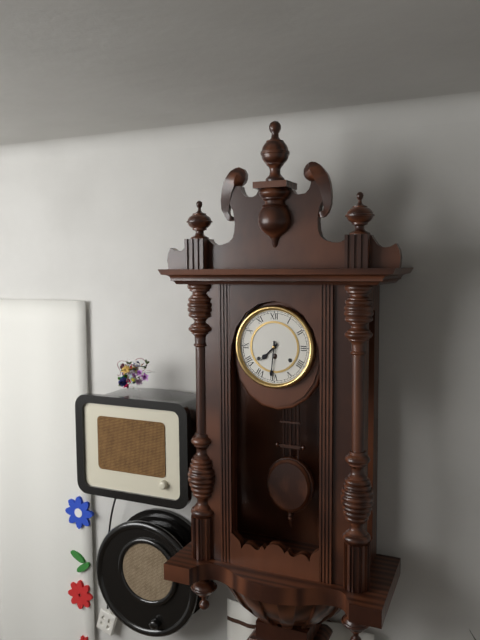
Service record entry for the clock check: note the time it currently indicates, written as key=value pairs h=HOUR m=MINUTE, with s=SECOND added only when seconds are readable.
h=7 m=31
